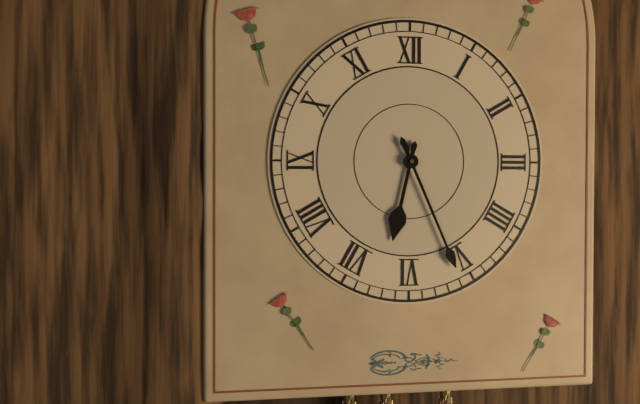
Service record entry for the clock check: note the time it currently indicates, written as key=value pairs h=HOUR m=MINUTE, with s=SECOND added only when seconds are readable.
h=6 m=26
